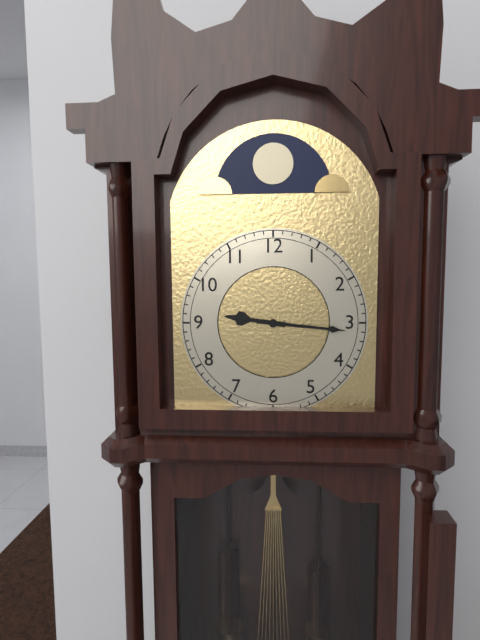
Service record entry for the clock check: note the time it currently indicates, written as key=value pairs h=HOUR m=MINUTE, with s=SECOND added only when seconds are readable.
h=9 m=16
